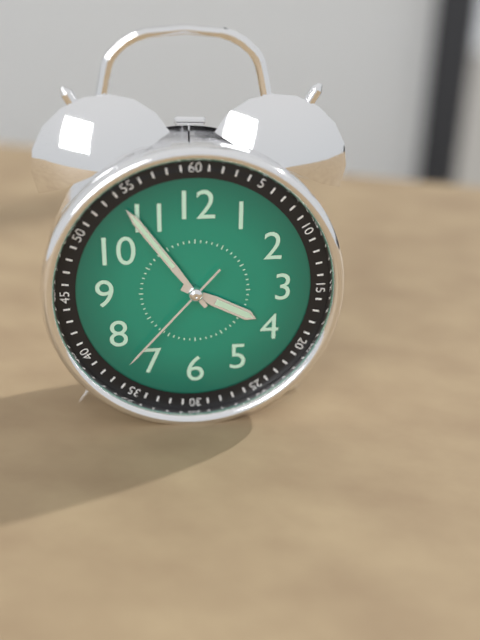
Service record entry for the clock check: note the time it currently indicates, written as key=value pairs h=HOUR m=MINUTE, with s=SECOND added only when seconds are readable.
h=3 m=54 s=37
